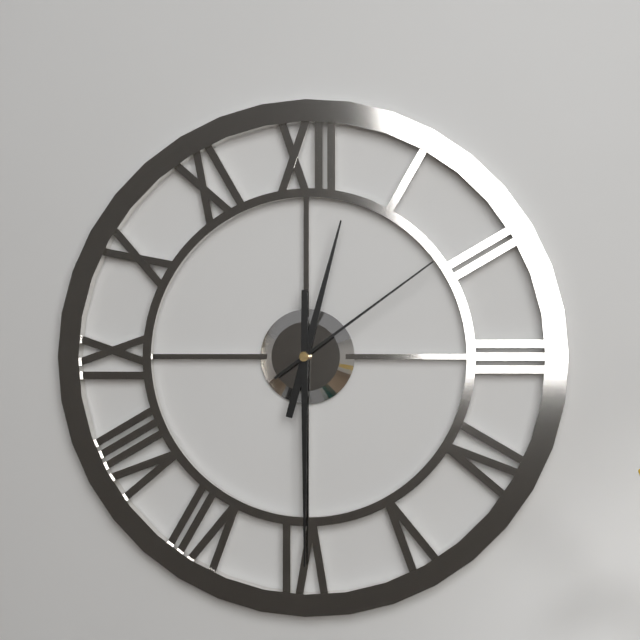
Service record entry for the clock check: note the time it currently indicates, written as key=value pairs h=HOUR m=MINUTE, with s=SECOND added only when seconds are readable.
h=12 m=30 s=9
